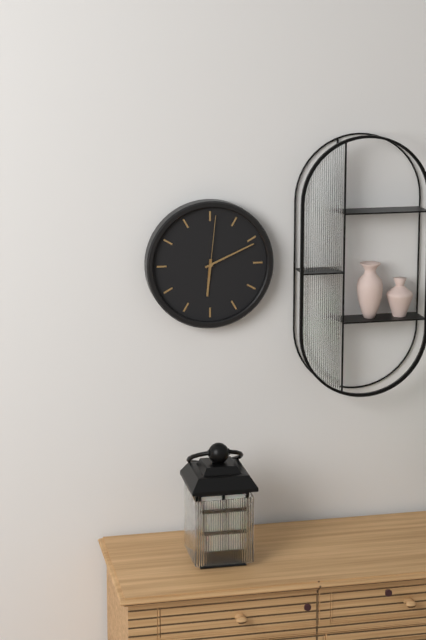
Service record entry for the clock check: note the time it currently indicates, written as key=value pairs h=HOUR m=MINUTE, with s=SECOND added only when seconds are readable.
h=6 m=11 s=1
